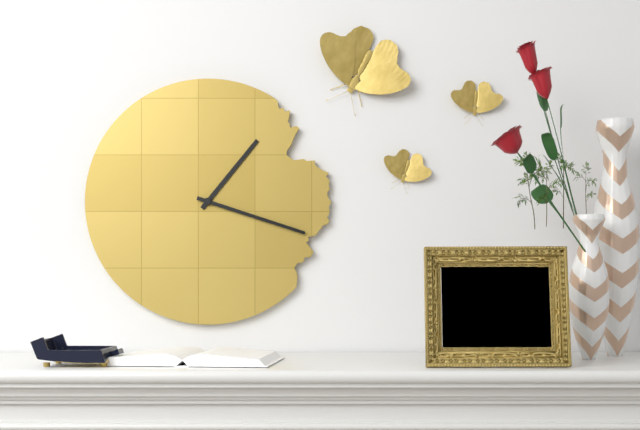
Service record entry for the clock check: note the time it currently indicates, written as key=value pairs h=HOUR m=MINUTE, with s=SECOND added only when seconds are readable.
h=1 m=18
